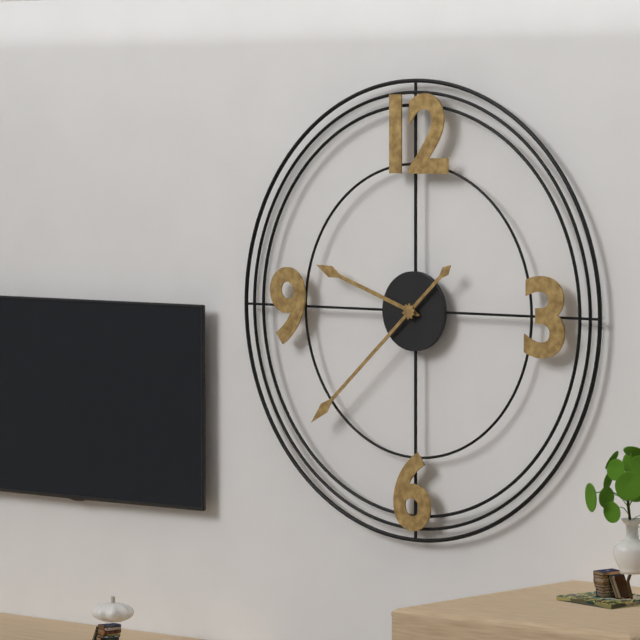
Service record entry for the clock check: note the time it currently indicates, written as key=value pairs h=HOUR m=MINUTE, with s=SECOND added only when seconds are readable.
h=9 m=38
